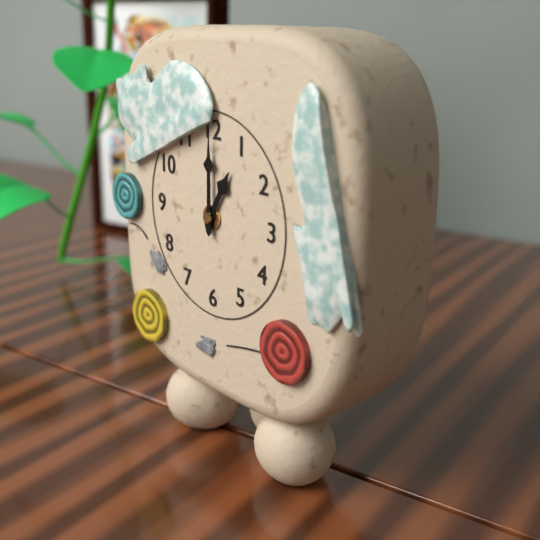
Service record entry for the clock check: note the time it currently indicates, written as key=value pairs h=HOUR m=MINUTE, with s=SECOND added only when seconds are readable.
h=1 m=0
